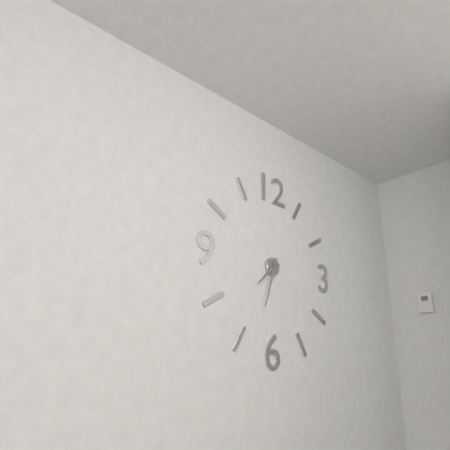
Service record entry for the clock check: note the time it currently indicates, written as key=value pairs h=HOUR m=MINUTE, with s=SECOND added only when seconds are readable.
h=7 m=33
